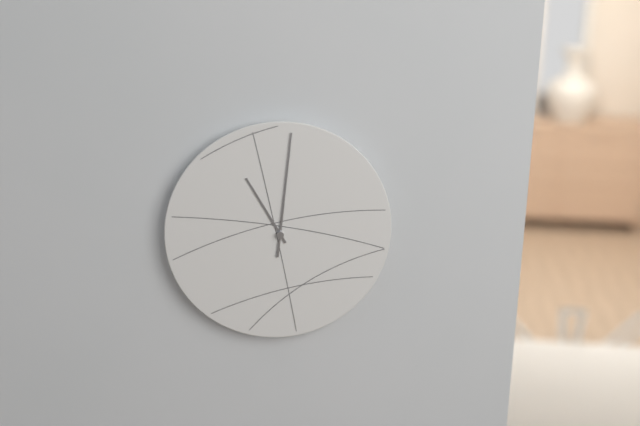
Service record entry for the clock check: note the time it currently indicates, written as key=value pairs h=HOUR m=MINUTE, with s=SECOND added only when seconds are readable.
h=11 m=1
